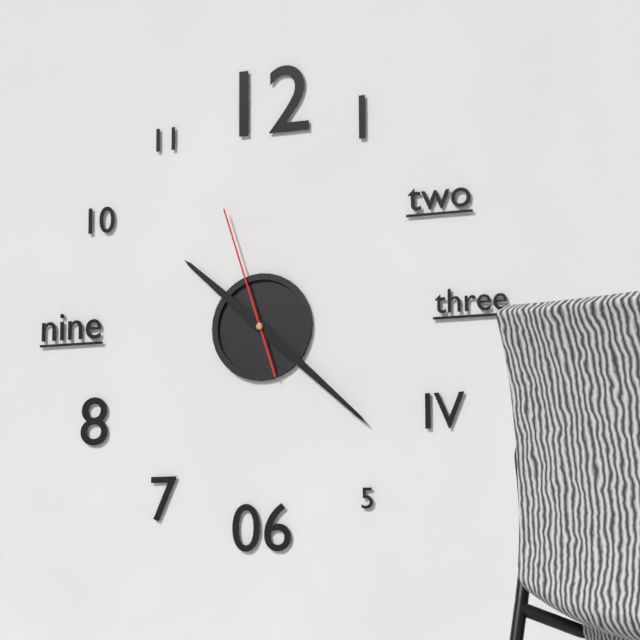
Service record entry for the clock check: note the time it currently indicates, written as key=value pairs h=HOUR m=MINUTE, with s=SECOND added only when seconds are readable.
h=10 m=22 s=57
